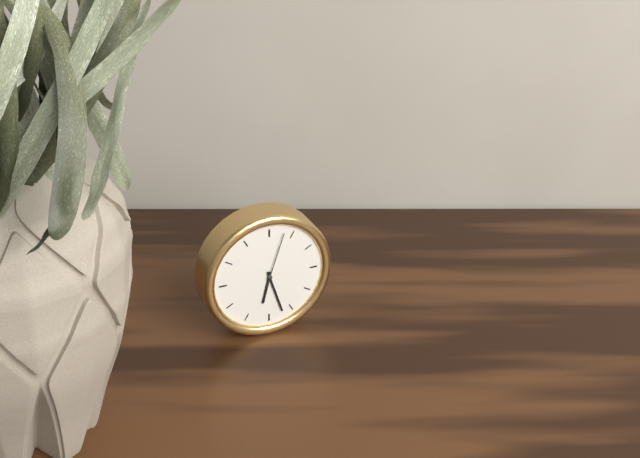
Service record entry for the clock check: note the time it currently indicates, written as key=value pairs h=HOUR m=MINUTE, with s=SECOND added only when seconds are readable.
h=6 m=27 s=3
